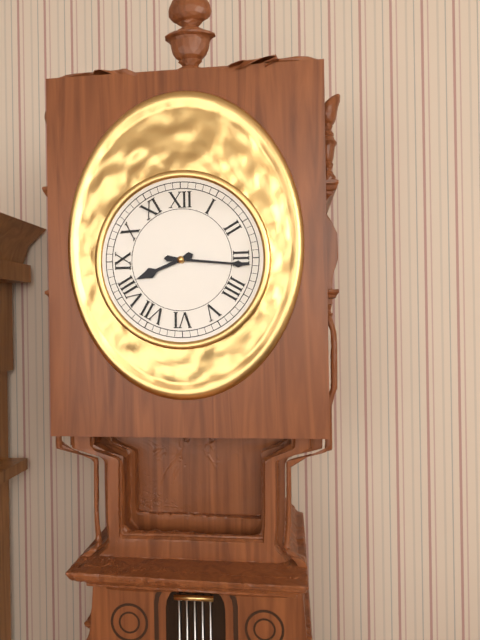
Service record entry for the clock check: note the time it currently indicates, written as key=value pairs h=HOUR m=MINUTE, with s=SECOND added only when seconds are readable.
h=8 m=16
